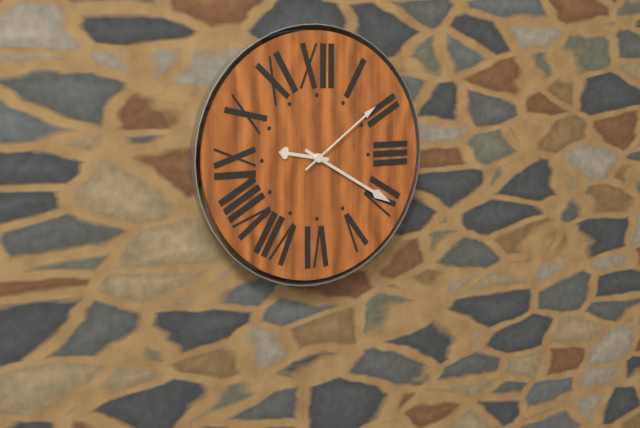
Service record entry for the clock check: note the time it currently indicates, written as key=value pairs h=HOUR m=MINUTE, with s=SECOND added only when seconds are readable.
h=9 m=20 s=9
